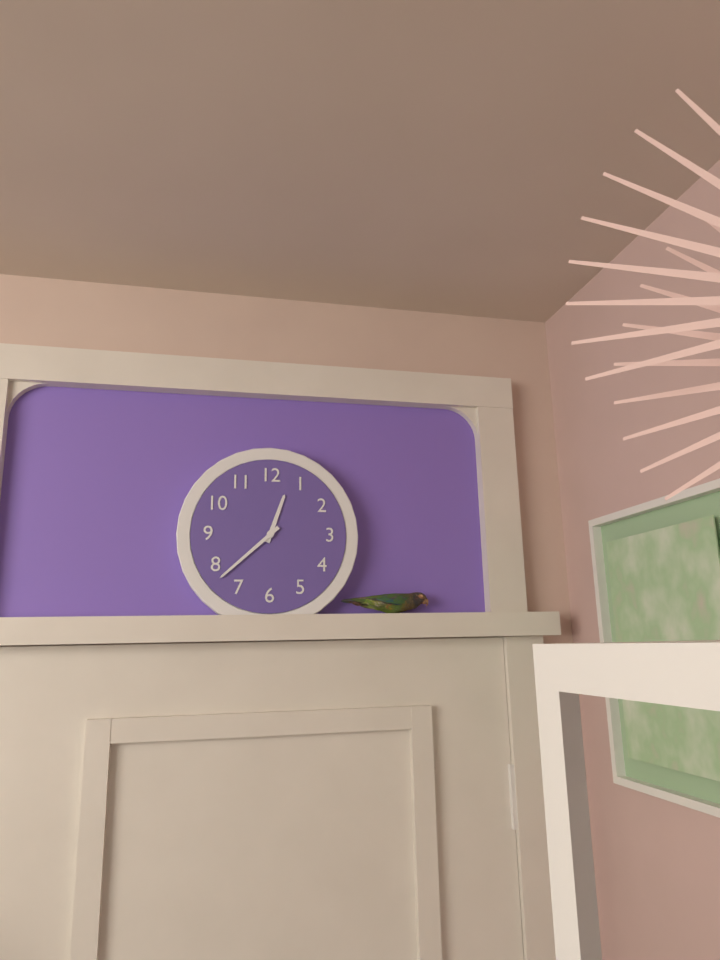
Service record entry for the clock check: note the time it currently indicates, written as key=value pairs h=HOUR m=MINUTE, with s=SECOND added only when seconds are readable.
h=12 m=38
